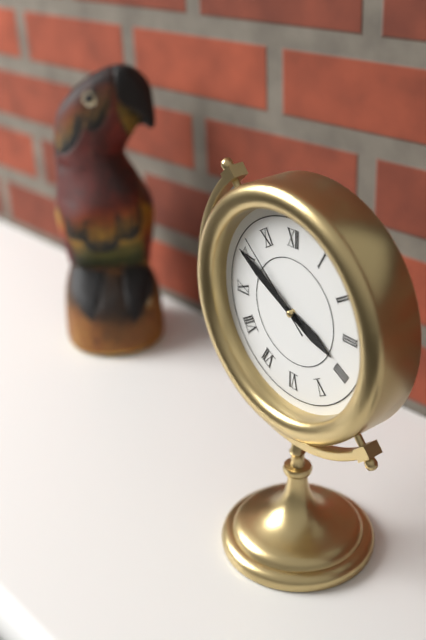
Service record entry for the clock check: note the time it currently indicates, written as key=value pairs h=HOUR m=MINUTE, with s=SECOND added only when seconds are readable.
h=3 m=50 s=52
